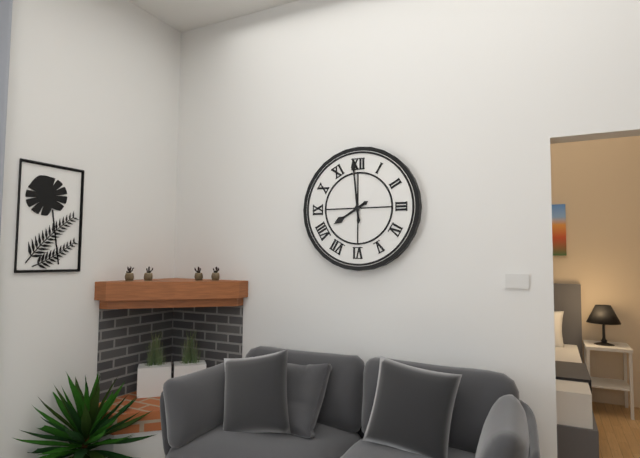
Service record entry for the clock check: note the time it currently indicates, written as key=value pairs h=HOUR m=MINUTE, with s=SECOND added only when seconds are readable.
h=7 m=59
